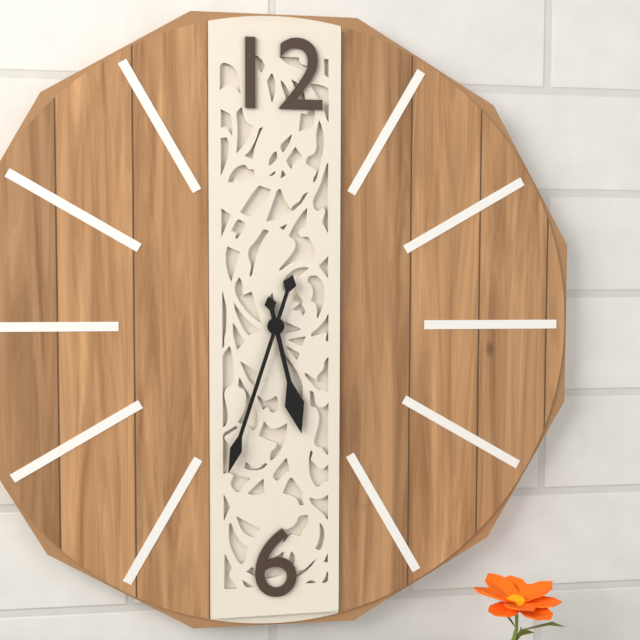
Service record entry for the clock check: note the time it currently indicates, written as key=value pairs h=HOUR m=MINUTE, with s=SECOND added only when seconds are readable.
h=5 m=33
